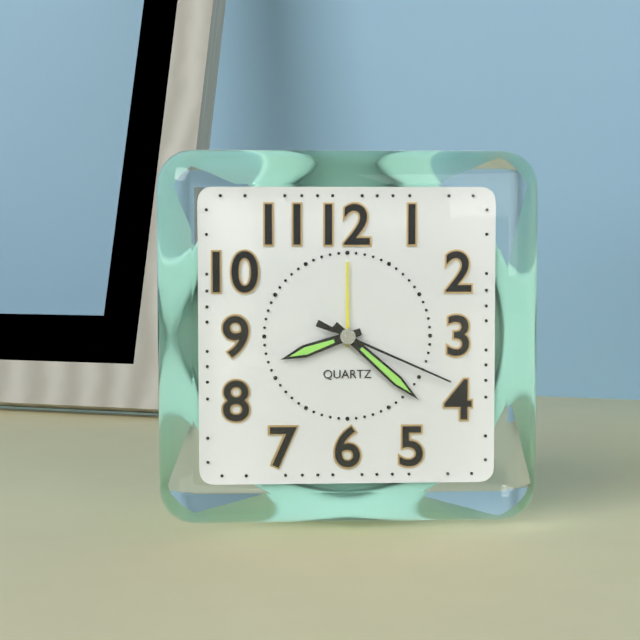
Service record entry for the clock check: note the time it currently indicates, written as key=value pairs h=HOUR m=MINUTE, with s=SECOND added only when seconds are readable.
h=8 m=22 s=19
